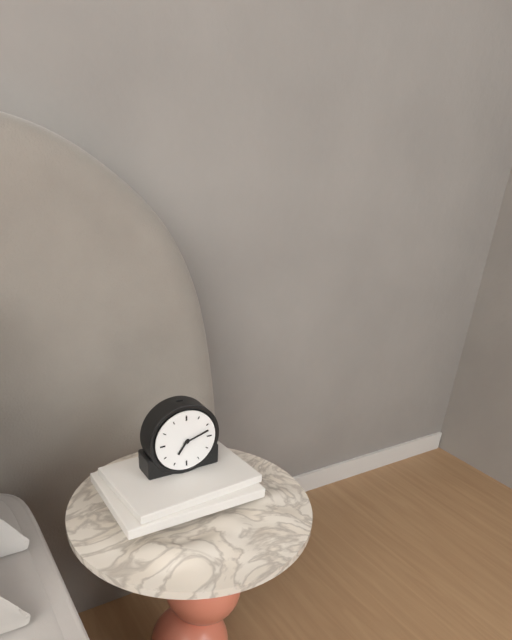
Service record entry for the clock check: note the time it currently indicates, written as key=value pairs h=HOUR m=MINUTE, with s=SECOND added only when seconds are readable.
h=7 m=12
